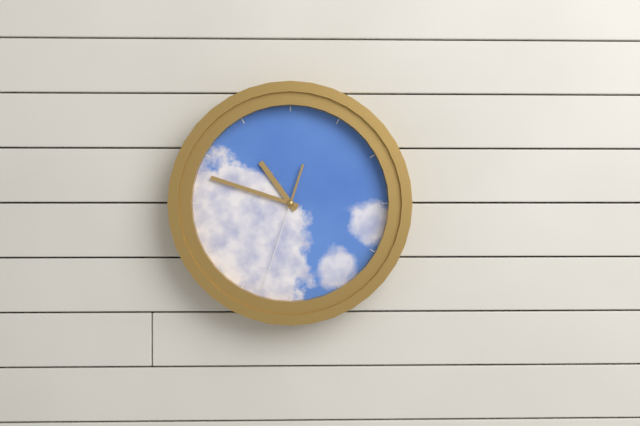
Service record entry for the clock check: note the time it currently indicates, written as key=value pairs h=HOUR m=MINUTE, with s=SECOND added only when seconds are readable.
h=10 m=48 s=33
